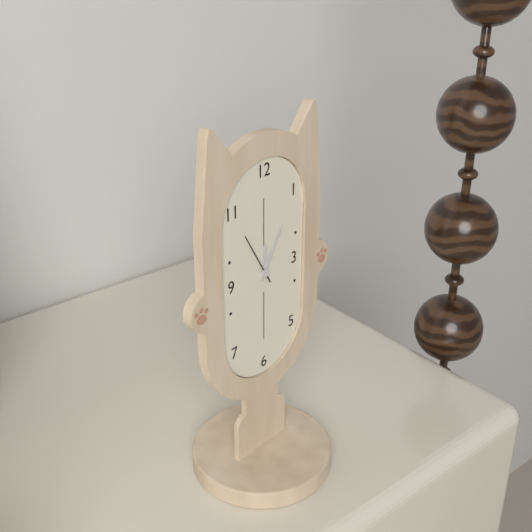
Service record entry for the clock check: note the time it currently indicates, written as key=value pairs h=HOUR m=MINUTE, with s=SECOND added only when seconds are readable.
h=12 m=5 s=55
